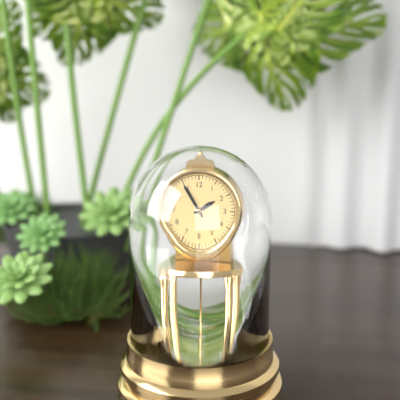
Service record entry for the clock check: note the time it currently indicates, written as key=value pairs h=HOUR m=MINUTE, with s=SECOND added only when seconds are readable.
h=1 m=55
